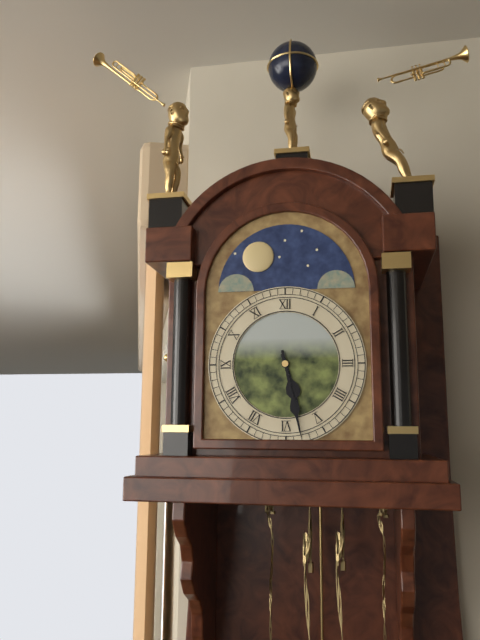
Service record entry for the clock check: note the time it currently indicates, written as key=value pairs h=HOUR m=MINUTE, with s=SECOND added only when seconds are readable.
h=5 m=28
